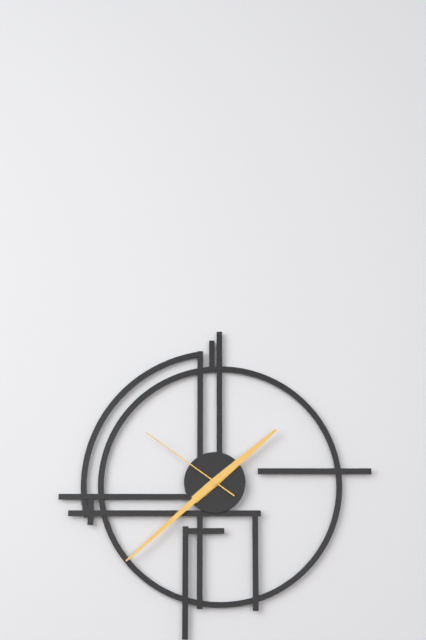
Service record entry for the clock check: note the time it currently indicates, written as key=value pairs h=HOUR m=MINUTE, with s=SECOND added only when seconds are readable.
h=1 m=38 s=51
